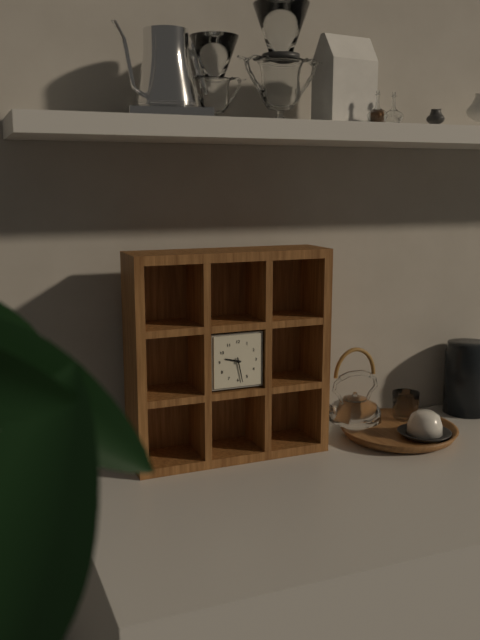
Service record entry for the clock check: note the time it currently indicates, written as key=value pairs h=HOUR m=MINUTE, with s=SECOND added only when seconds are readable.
h=9 m=28
